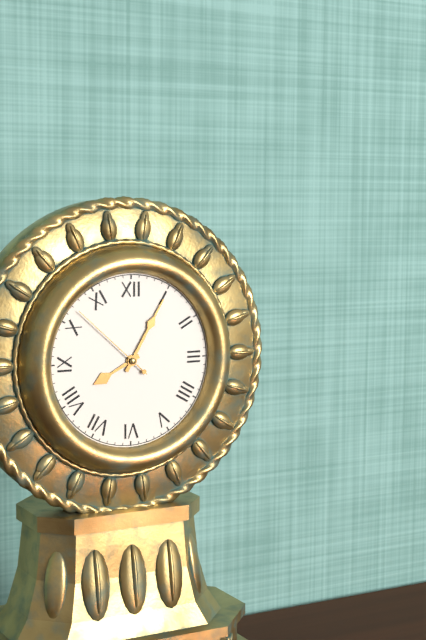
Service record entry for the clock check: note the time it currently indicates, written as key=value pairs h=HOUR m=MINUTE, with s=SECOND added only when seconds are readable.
h=8 m=5 s=52
